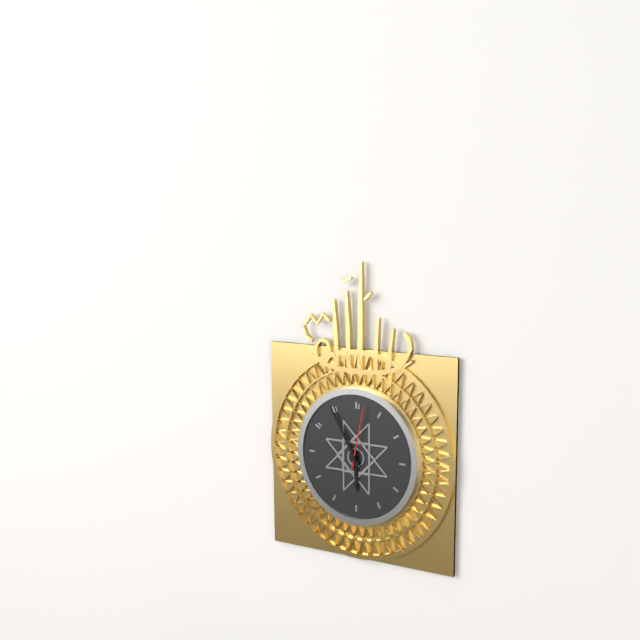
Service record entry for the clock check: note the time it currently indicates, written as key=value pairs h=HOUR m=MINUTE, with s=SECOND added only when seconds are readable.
h=5 m=55 s=2
